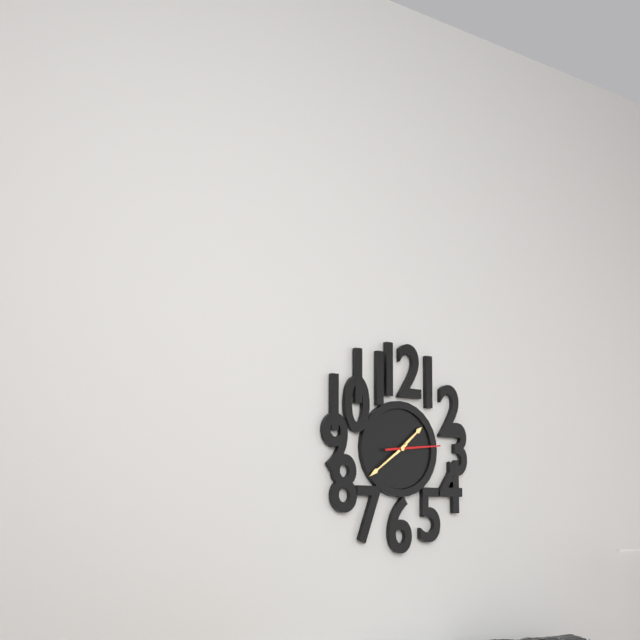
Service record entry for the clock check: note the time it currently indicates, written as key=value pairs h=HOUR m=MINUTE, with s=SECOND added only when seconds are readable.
h=1 m=39 s=14
